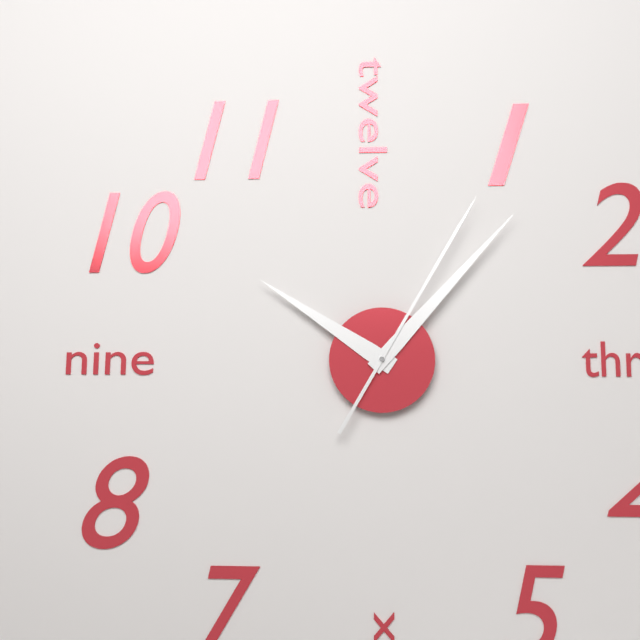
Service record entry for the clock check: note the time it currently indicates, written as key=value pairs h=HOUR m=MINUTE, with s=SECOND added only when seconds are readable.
h=10 m=7 s=5
